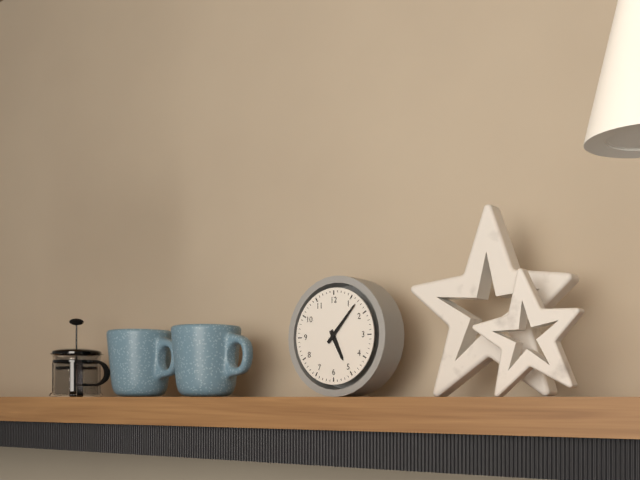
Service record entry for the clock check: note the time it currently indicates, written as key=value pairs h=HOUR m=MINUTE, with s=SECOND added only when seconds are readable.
h=5 m=7
